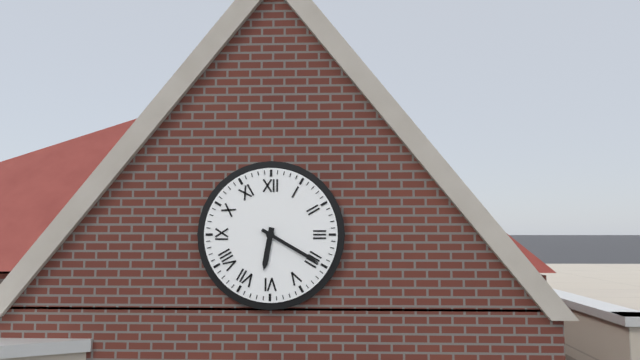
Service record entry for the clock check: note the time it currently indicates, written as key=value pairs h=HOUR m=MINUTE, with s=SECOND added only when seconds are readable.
h=6 m=20
